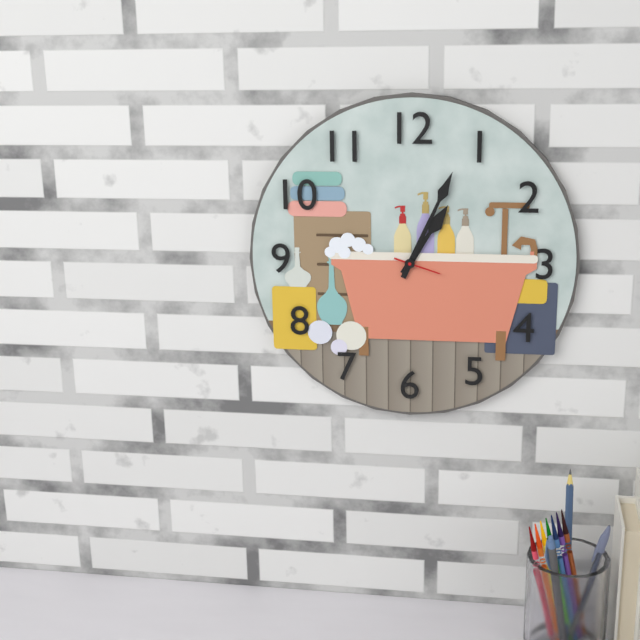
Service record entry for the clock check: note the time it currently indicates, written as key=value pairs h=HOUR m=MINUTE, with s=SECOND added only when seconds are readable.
h=1 m=4
